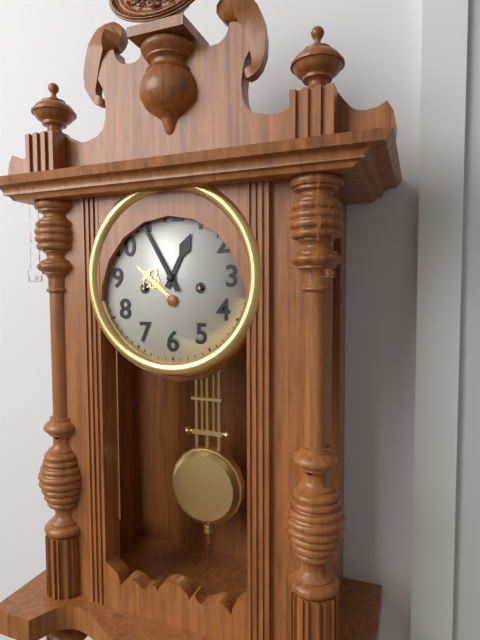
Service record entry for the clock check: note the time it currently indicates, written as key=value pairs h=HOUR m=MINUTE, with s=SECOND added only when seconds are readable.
h=12 m=55
